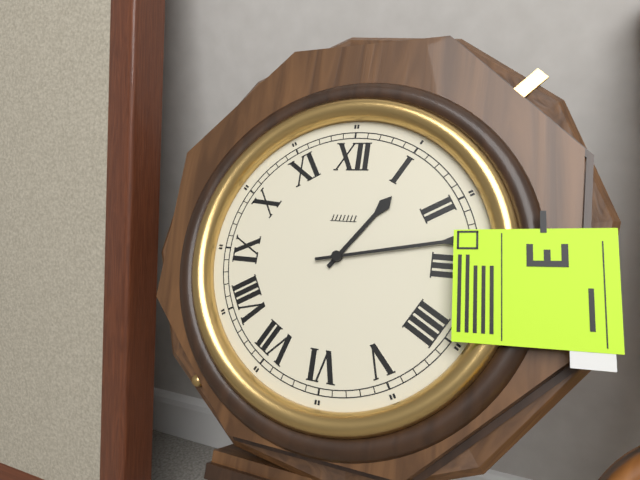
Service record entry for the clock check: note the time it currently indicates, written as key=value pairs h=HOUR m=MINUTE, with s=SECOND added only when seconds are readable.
h=1 m=13
